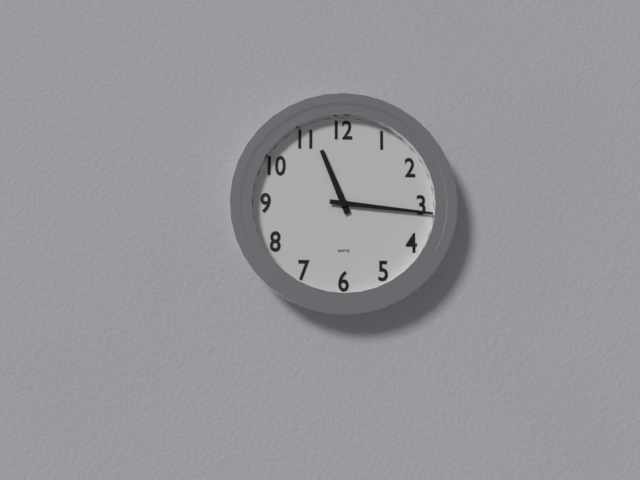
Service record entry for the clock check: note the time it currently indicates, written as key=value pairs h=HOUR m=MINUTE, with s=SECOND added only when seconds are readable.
h=11 m=16
